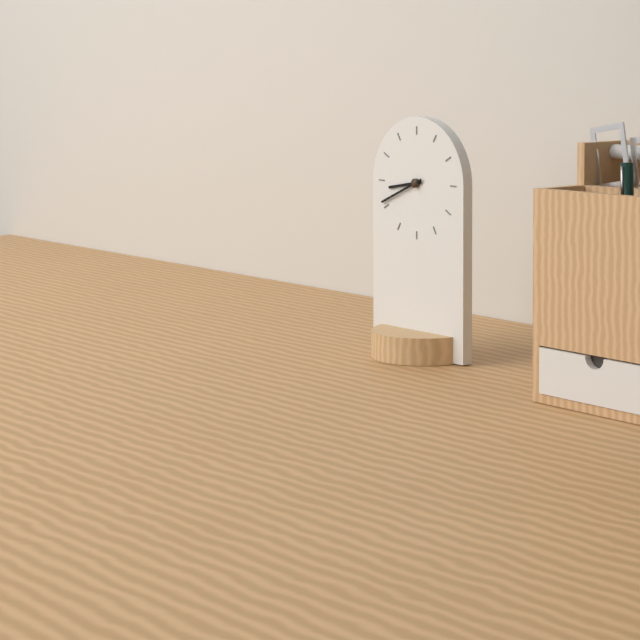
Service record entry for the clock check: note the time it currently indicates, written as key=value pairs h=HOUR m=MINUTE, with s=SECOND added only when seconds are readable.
h=8 m=41
